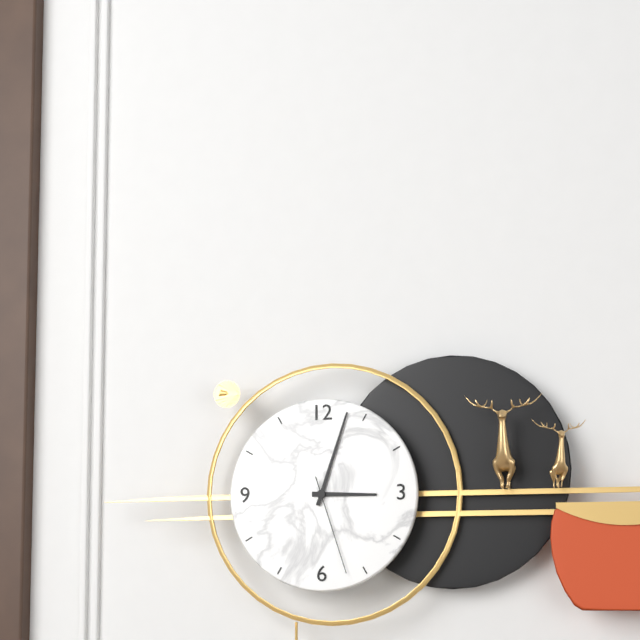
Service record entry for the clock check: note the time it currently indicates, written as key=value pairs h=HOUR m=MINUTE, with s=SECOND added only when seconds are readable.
h=3 m=3 s=27
